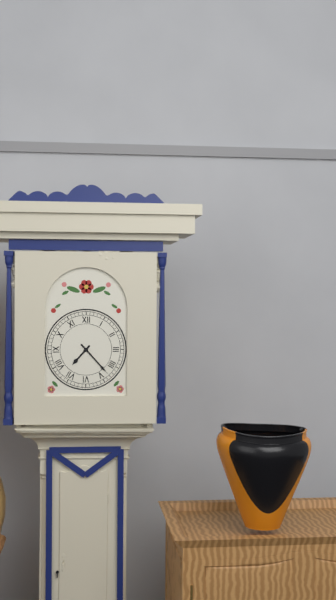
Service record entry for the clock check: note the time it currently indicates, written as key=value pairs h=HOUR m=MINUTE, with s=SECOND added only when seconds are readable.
h=7 m=23
